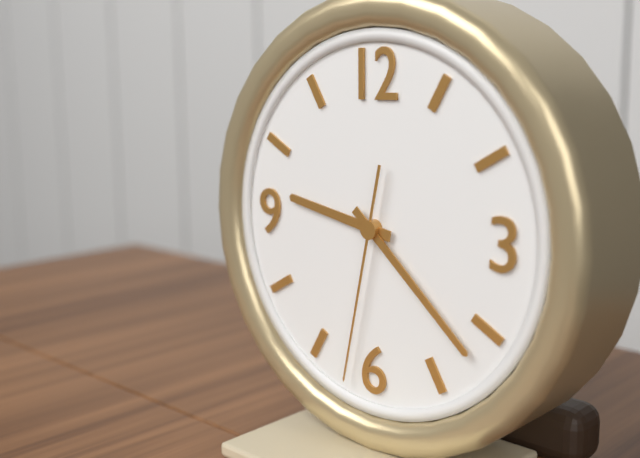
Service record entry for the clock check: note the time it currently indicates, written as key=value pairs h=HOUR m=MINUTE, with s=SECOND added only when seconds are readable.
h=9 m=22 s=32
